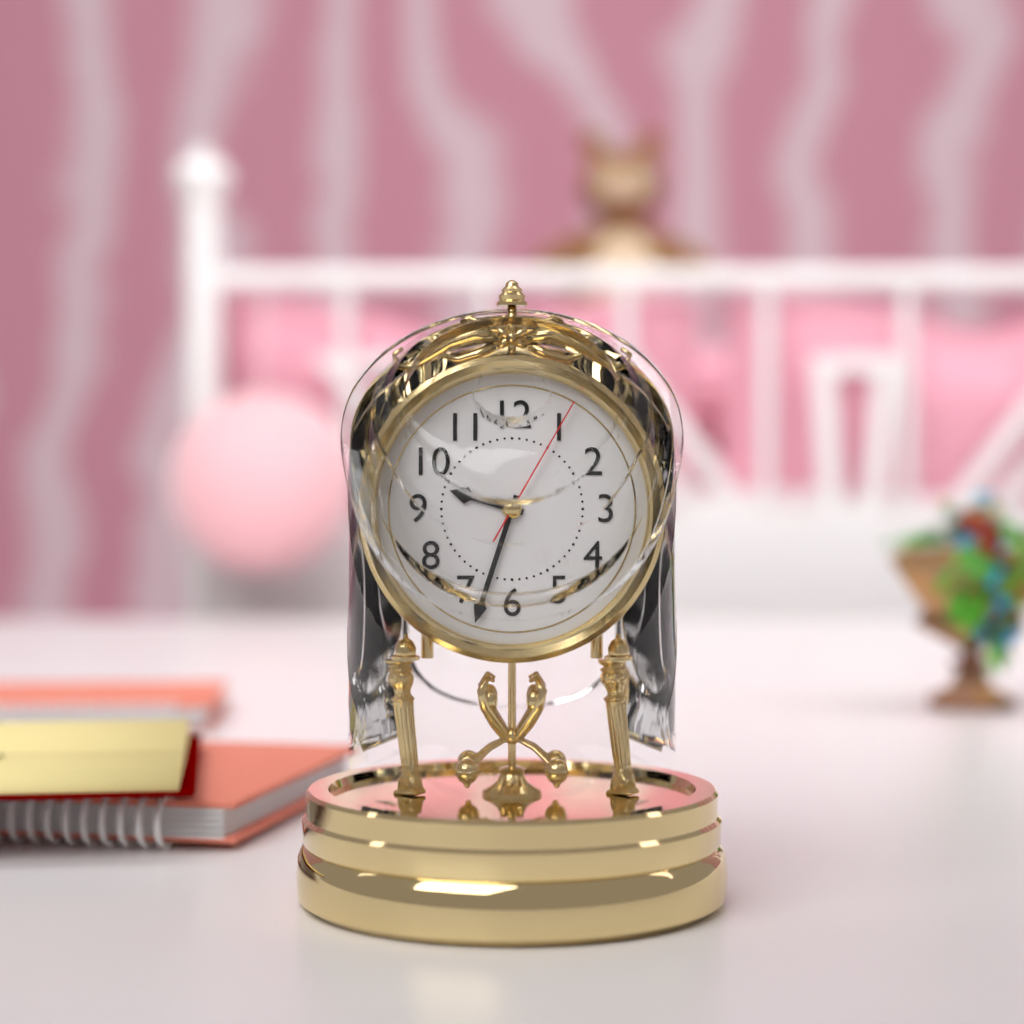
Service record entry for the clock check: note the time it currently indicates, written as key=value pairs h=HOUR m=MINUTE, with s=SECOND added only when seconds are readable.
h=9 m=33 s=5
